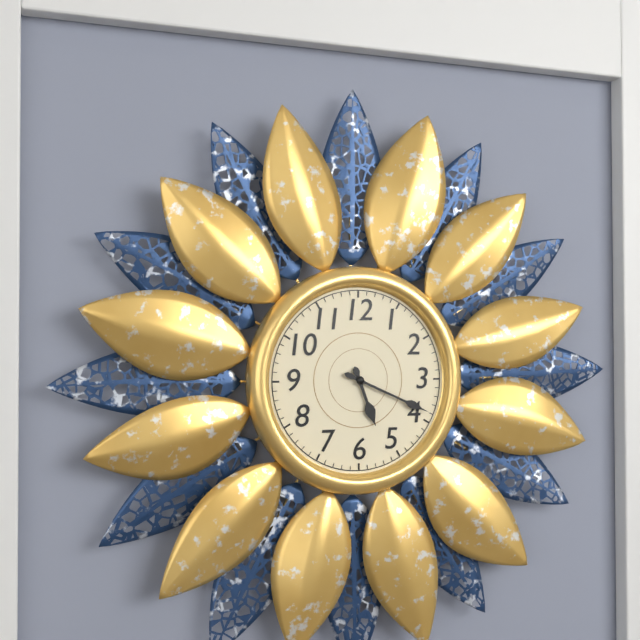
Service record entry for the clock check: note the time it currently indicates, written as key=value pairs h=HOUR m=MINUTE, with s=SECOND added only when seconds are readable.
h=5 m=19
